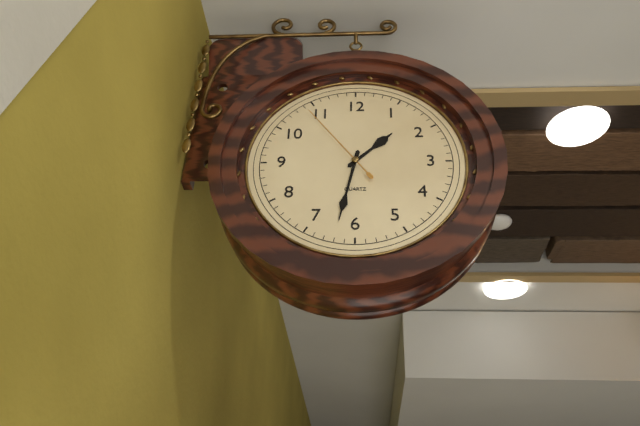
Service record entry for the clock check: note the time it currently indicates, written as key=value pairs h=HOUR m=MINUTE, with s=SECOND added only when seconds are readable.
h=1 m=32 s=54
